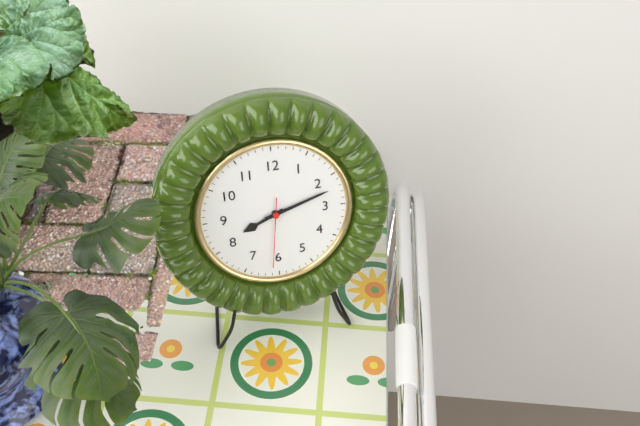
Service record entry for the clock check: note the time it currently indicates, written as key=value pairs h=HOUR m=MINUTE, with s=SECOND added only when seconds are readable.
h=8 m=12 s=31
